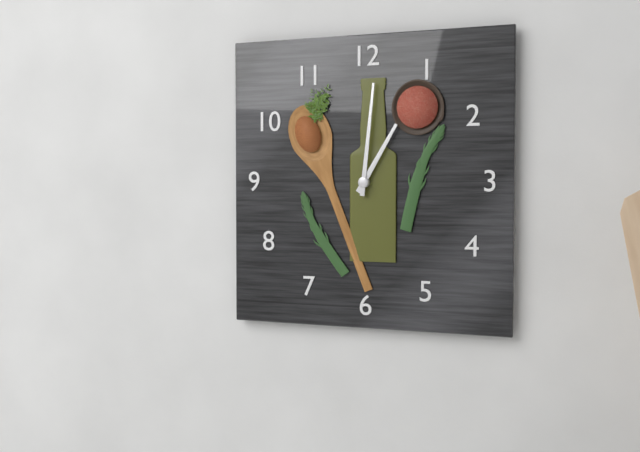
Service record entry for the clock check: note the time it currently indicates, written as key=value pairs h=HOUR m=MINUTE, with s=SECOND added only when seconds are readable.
h=1 m=1
